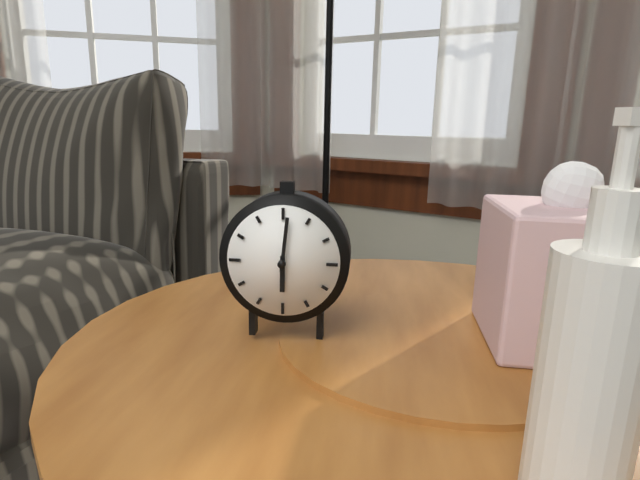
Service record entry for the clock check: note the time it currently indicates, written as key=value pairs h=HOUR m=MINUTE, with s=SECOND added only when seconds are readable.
h=6 m=1
